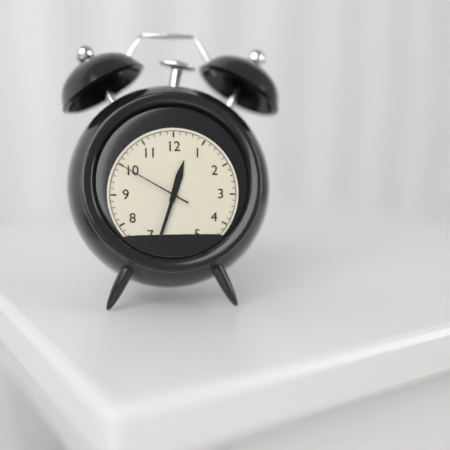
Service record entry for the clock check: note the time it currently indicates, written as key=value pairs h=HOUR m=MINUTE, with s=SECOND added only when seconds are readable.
h=12 m=33 s=50
